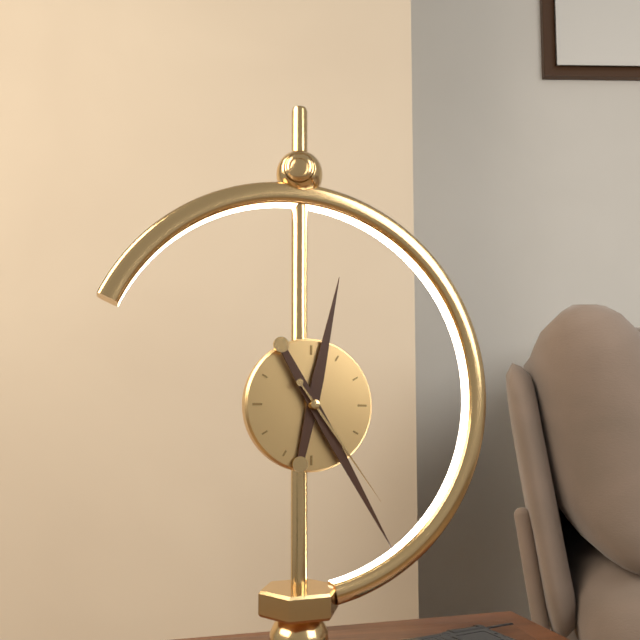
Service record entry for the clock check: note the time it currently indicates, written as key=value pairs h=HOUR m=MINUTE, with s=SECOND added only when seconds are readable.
h=12 m=25 s=24
